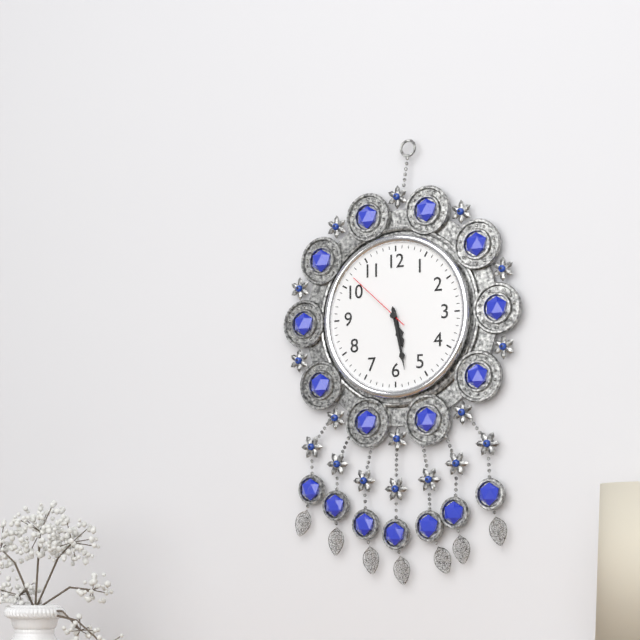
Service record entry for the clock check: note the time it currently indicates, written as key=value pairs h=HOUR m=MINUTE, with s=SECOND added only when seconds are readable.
h=5 m=28 s=52
